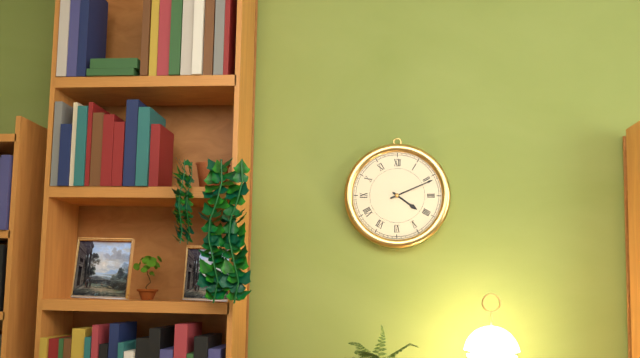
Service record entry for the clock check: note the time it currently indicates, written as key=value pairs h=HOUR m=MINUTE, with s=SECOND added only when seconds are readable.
h=4 m=11
